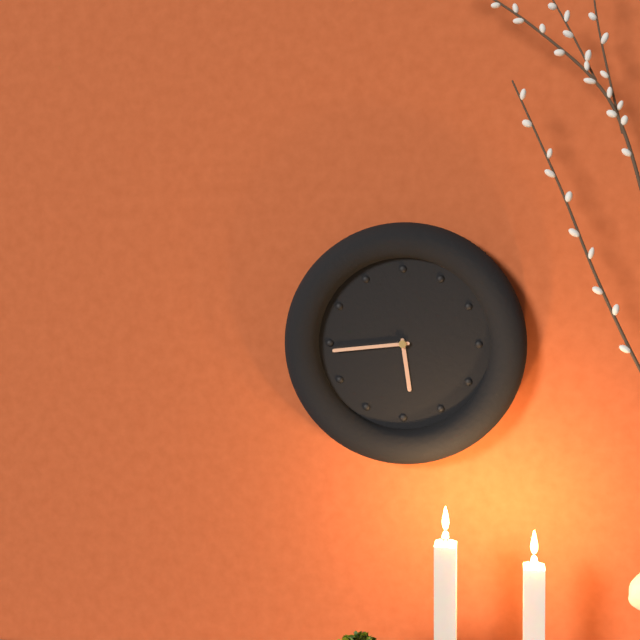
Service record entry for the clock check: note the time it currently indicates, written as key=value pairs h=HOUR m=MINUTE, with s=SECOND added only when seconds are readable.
h=5 m=44
